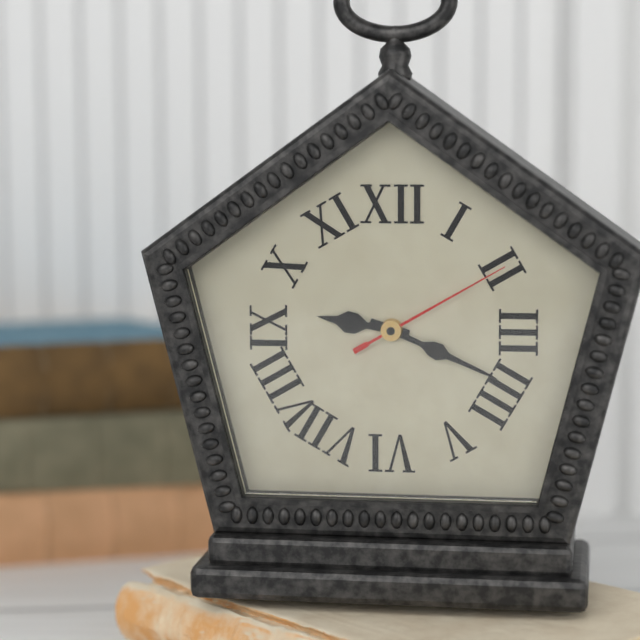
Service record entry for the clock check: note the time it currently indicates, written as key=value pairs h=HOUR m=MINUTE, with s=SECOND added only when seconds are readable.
h=9 m=19 s=10
